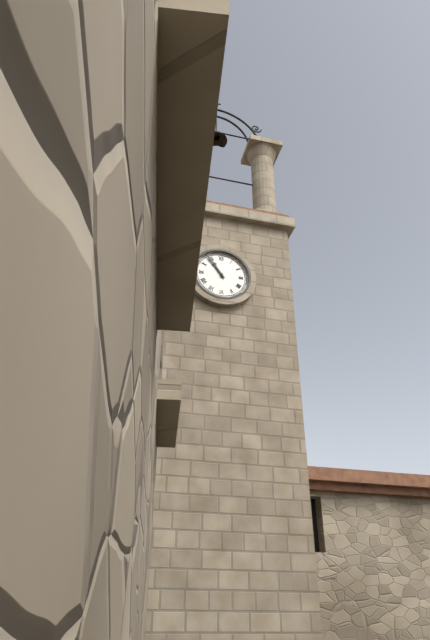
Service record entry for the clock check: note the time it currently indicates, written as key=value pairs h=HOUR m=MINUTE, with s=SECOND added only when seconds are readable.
h=10 m=54
